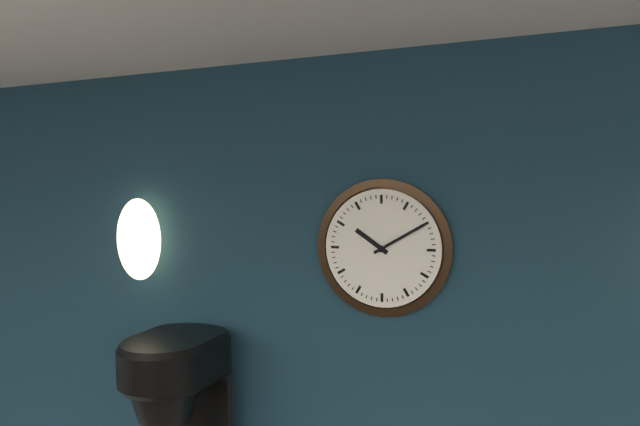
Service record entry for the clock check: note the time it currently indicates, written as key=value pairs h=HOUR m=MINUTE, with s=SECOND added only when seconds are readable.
h=10 m=10
